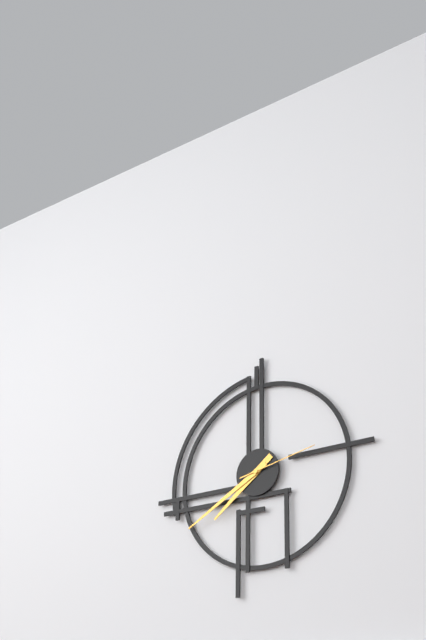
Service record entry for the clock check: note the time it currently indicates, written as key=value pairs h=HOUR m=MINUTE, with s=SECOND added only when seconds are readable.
h=7 m=40 s=13
